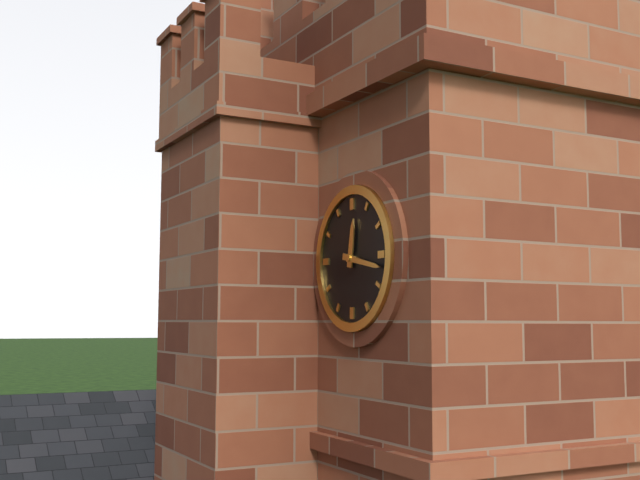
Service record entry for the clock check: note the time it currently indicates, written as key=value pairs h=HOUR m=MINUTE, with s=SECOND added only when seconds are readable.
h=12 m=17
